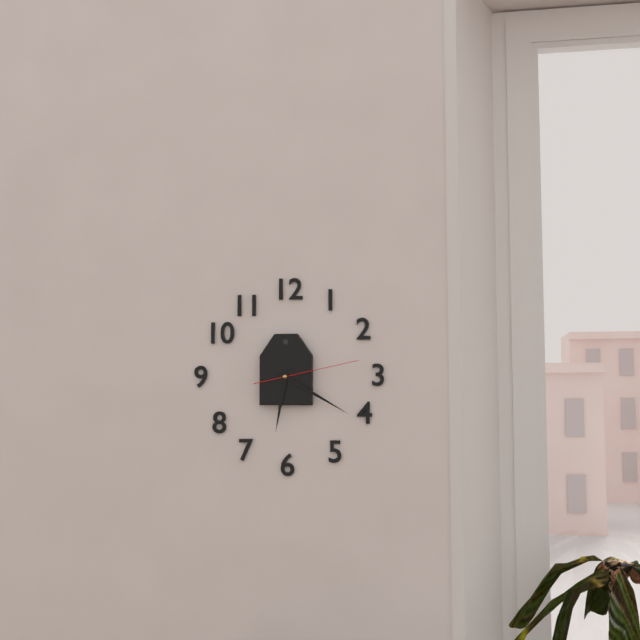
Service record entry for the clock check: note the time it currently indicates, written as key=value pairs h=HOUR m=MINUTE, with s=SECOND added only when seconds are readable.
h=6 m=20 s=13
